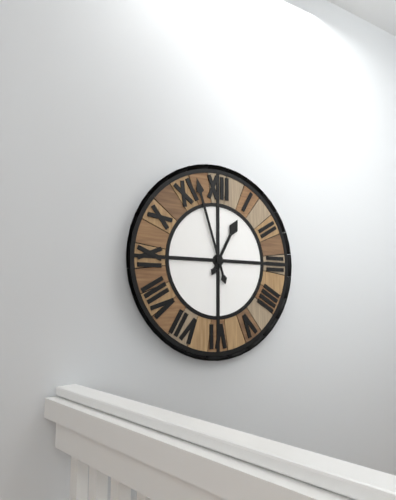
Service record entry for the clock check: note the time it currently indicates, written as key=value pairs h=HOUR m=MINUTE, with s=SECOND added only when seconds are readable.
h=12 m=57
